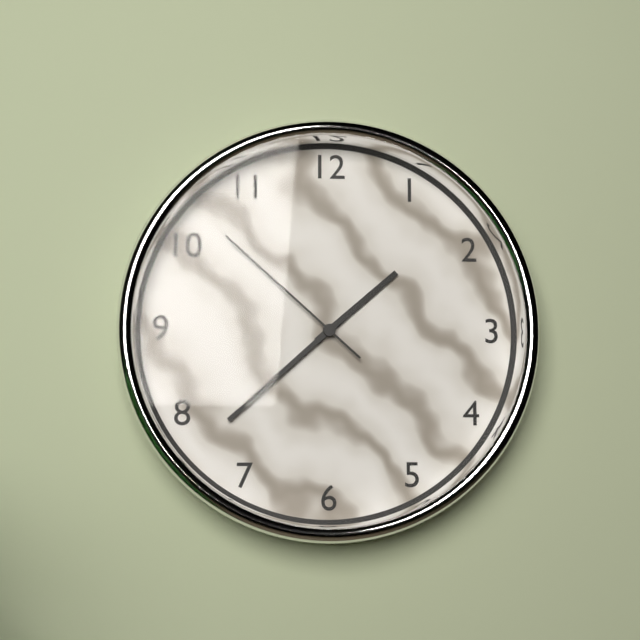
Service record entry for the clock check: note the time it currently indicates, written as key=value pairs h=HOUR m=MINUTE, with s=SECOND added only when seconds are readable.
h=1 m=38 s=52
